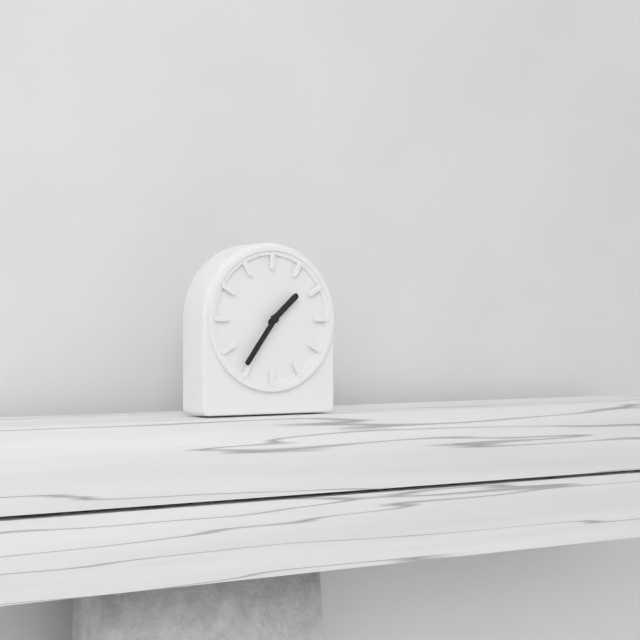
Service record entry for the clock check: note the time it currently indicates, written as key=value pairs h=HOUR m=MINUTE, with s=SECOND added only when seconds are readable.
h=1 m=36
